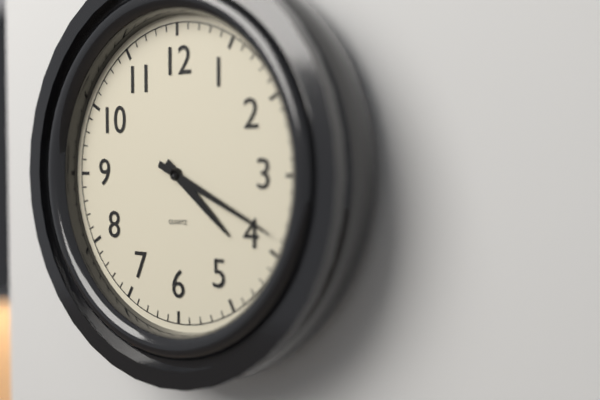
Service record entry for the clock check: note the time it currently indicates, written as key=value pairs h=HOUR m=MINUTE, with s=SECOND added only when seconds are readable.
h=4 m=19
